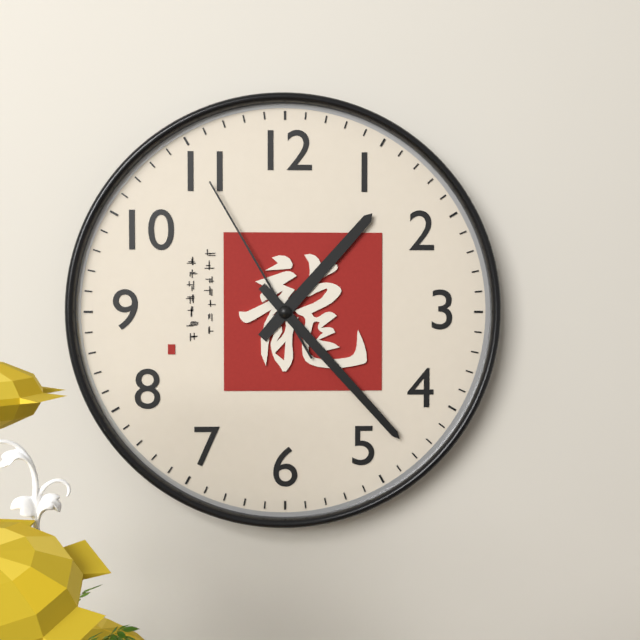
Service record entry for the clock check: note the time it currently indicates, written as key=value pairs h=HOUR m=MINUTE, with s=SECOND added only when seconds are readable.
h=1 m=23 s=55
